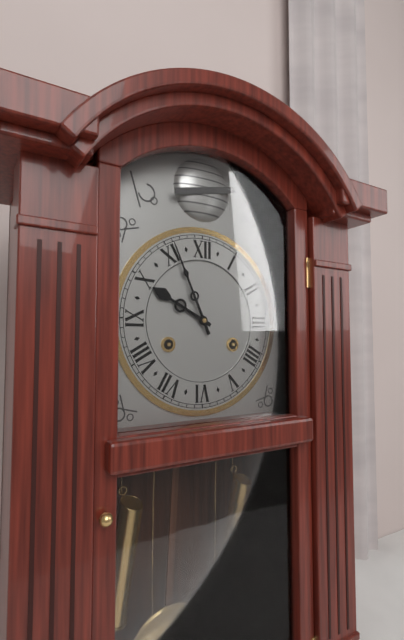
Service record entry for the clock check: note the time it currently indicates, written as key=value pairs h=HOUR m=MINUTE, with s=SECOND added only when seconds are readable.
h=9 m=56
